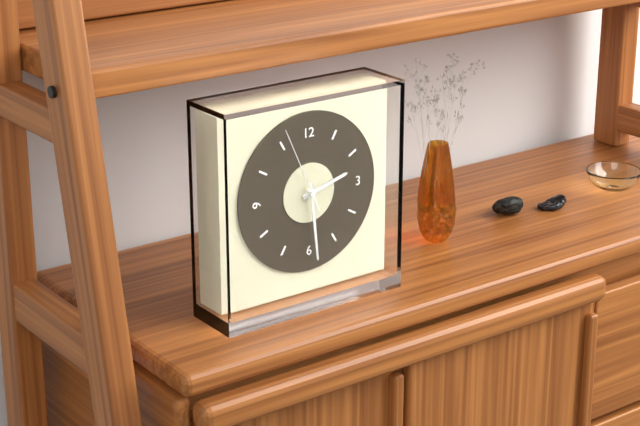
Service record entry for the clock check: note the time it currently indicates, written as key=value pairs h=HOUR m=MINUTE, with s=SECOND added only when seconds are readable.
h=2 m=29 s=56
